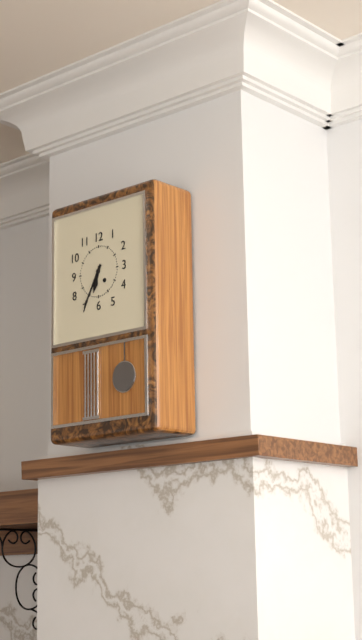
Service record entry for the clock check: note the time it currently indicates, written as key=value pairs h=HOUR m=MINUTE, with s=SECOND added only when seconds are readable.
h=6 m=35
